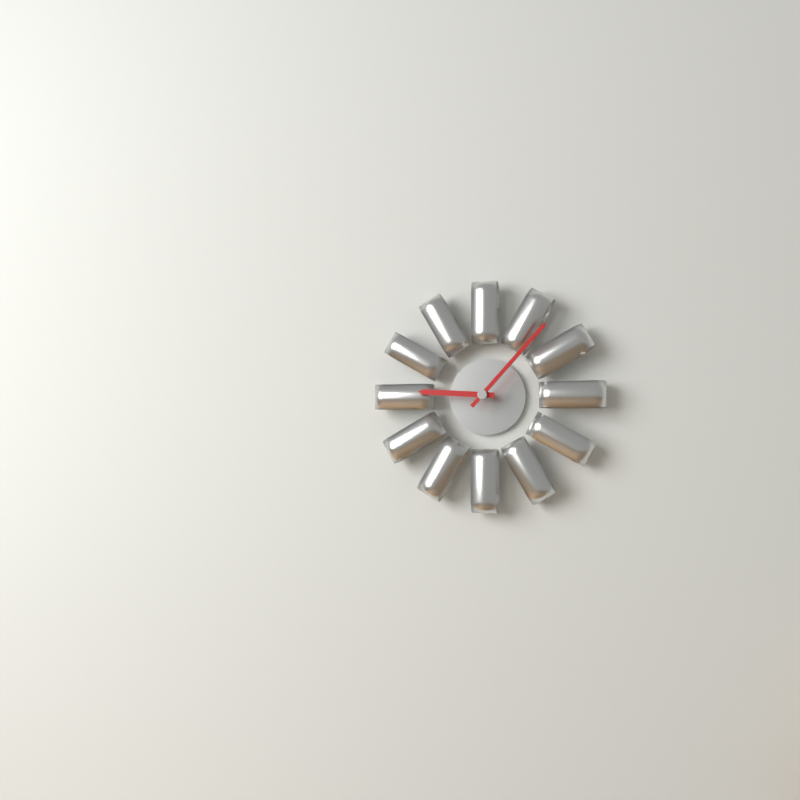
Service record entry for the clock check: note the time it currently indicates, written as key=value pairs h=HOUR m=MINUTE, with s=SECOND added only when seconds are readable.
h=9 m=7
